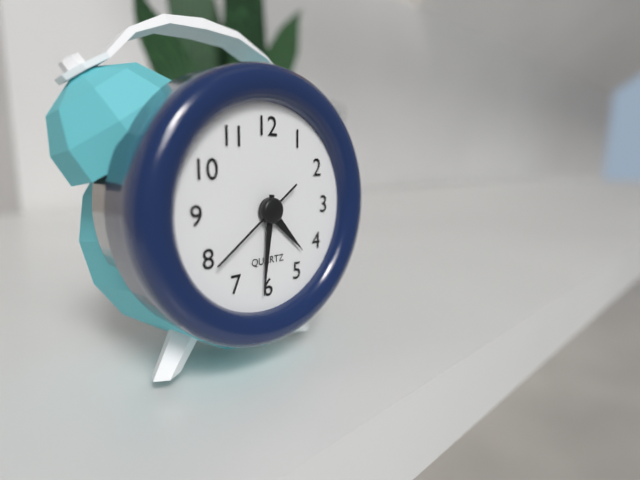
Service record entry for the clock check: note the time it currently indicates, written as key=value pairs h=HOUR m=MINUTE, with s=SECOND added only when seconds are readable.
h=4 m=31 s=39
